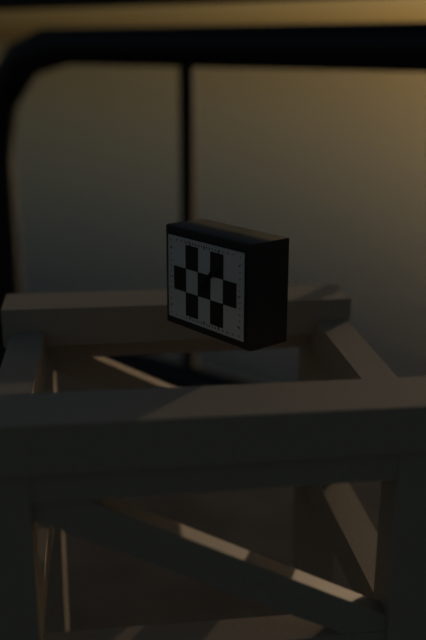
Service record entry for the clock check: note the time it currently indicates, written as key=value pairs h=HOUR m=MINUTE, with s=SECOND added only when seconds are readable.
h=1 m=8
